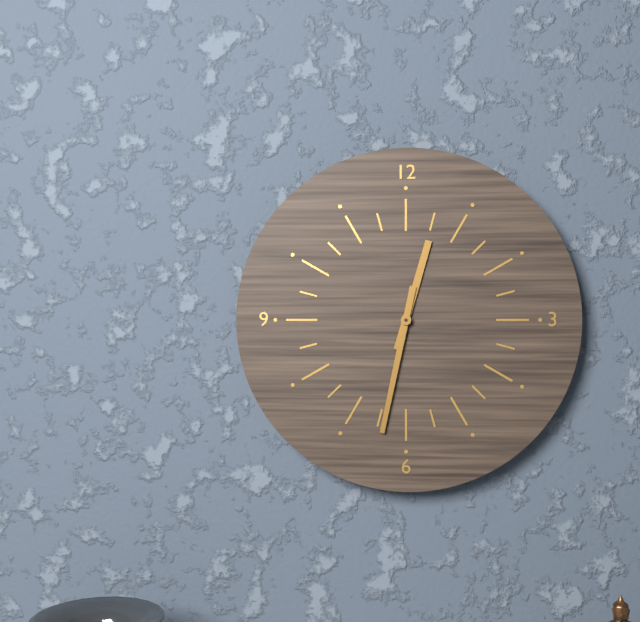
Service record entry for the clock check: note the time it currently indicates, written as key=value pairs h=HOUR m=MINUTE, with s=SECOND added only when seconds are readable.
h=12 m=32
